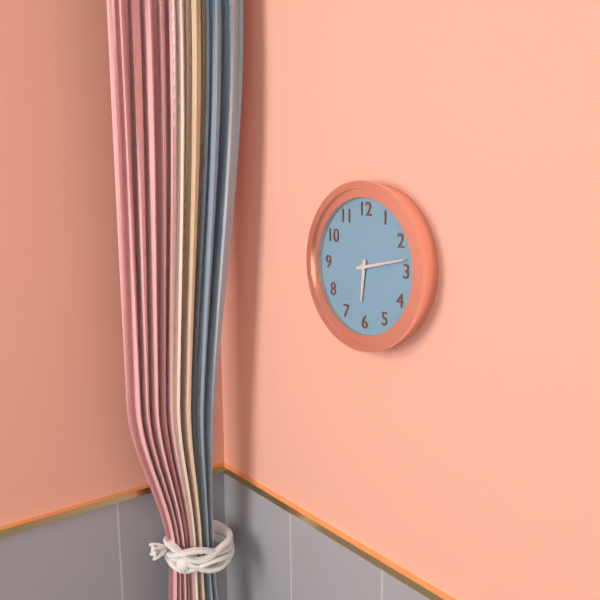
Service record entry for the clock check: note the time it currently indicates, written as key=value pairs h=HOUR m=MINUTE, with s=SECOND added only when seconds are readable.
h=6 m=13
